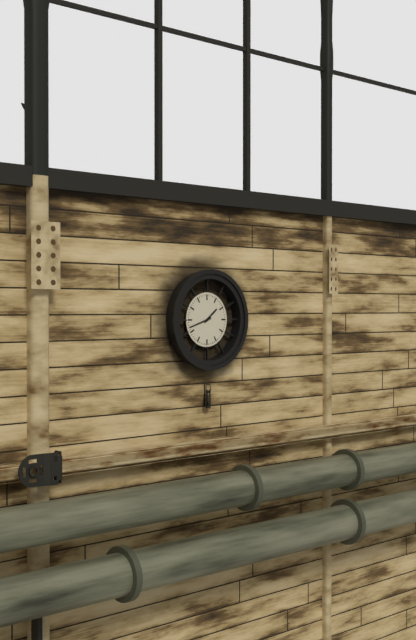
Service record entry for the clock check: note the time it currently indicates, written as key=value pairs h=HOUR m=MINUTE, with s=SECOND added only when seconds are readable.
h=1 m=42
